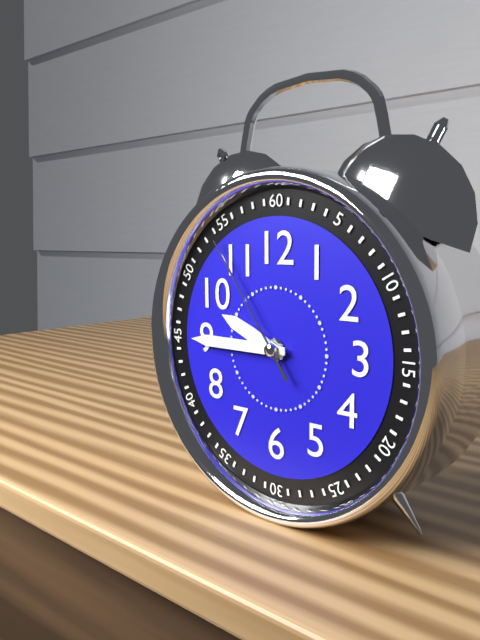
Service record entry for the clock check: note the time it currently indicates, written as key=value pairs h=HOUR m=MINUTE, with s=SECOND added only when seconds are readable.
h=9 m=45 s=54
